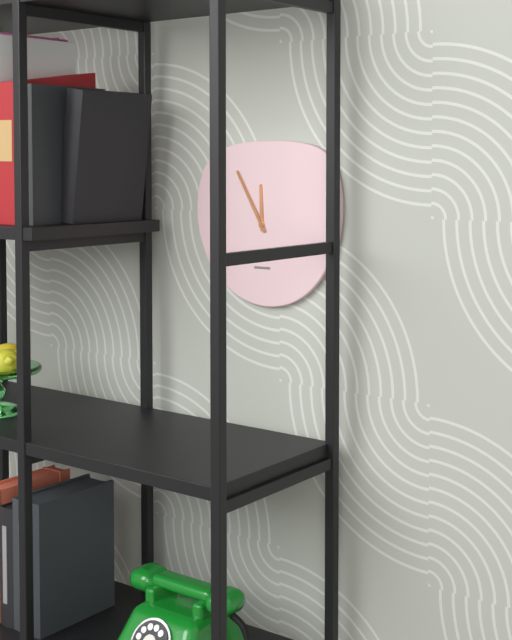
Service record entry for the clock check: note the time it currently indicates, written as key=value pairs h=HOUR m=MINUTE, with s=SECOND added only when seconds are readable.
h=11 m=55
